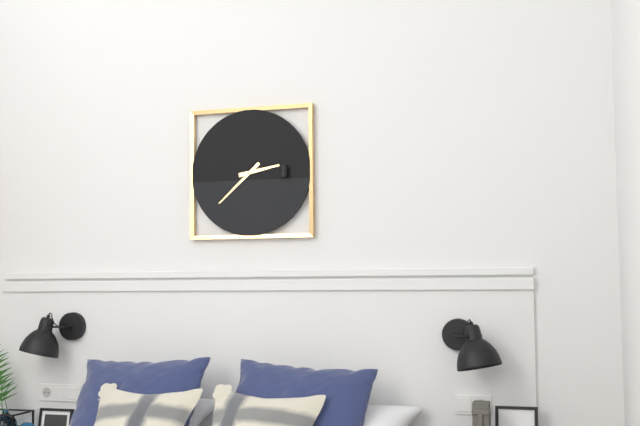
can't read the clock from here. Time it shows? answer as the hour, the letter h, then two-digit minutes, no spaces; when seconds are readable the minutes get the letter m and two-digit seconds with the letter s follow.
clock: 2h38
